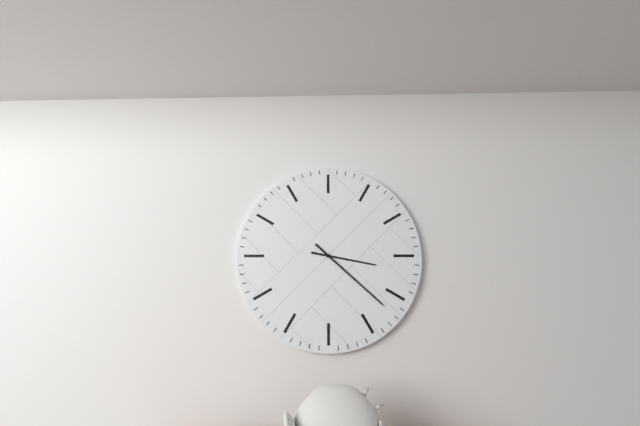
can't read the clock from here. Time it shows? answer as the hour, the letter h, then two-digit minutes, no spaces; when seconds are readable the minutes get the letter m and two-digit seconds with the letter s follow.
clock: 3h22
